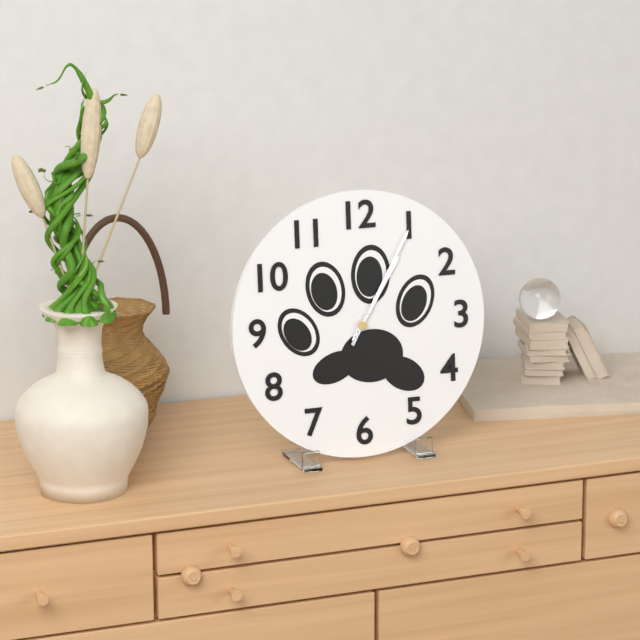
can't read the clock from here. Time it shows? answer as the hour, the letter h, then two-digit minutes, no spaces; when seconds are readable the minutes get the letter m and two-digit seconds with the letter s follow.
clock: 1h05
